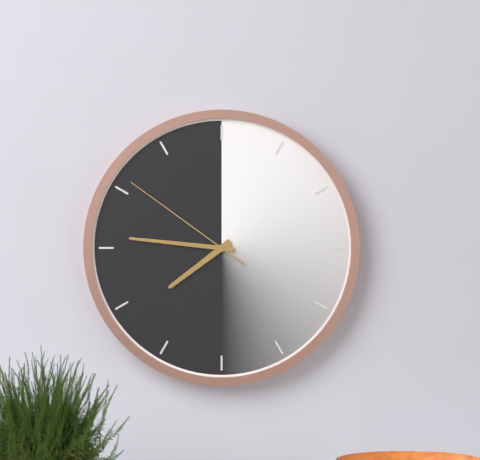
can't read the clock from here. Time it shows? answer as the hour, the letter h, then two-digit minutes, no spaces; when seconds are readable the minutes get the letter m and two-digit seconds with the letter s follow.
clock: 7h46m51s
